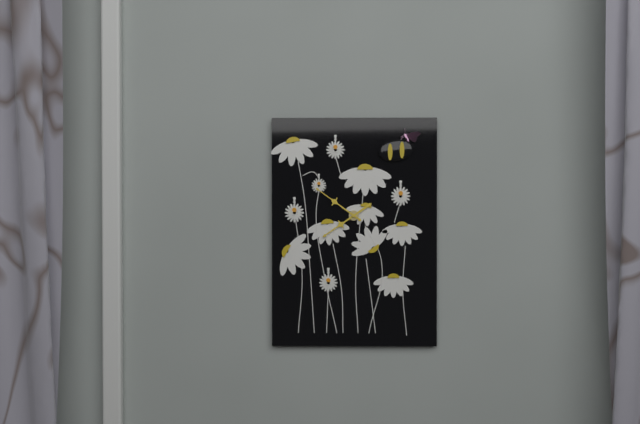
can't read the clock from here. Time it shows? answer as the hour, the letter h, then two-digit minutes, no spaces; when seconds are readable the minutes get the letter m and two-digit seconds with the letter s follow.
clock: 7h51
